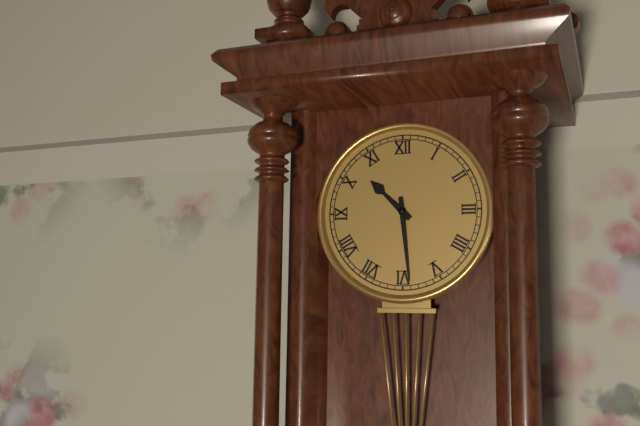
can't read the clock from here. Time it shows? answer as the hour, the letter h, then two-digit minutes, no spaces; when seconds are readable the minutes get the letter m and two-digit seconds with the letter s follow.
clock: 10h29
